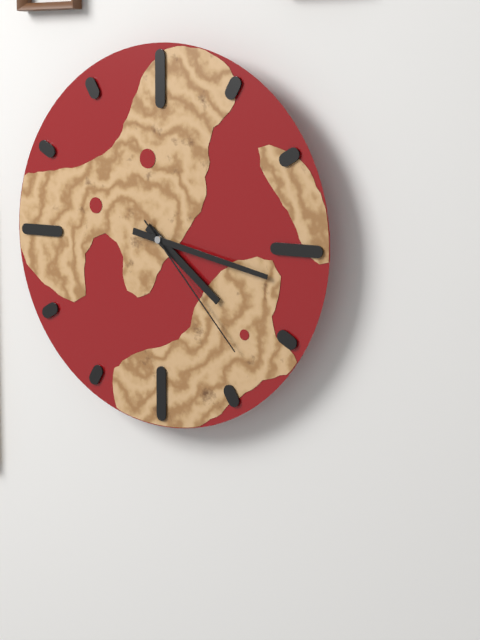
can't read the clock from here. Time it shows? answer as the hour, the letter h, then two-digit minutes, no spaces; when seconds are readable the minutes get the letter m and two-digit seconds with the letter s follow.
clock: 4h17m23s
